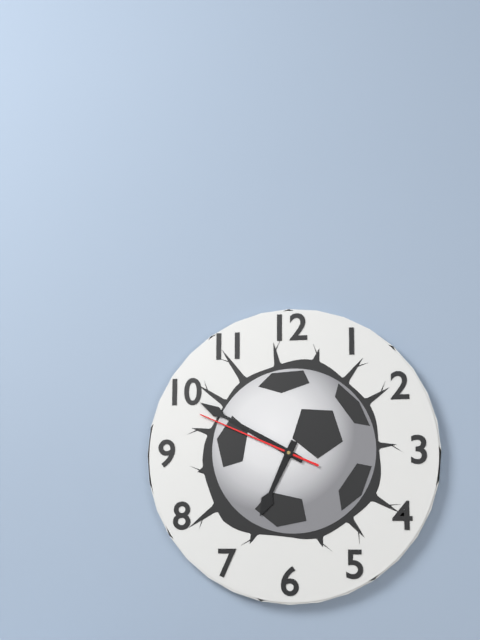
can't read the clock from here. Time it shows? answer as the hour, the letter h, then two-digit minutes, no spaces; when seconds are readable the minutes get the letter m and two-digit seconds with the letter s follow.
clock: 6h50m49s
